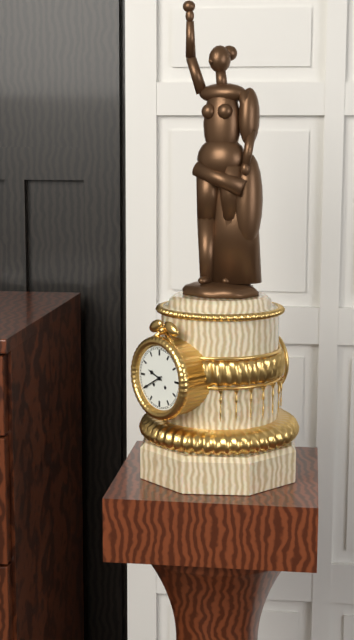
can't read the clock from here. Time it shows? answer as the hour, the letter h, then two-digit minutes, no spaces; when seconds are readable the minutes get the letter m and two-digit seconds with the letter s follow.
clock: 9h40
